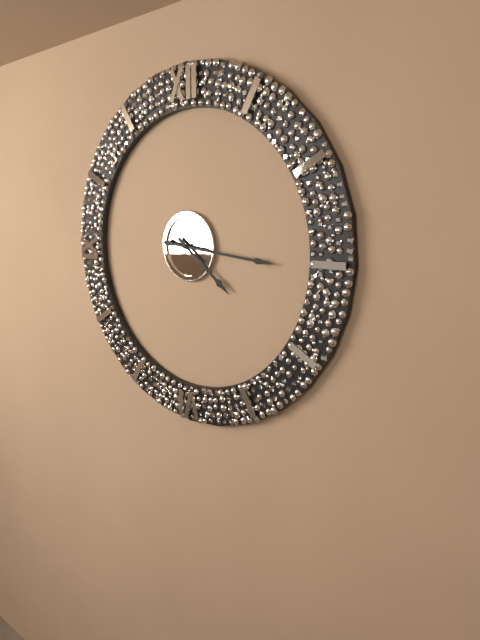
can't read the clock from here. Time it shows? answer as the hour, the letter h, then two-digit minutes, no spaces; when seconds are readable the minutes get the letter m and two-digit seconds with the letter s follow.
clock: 4h16
